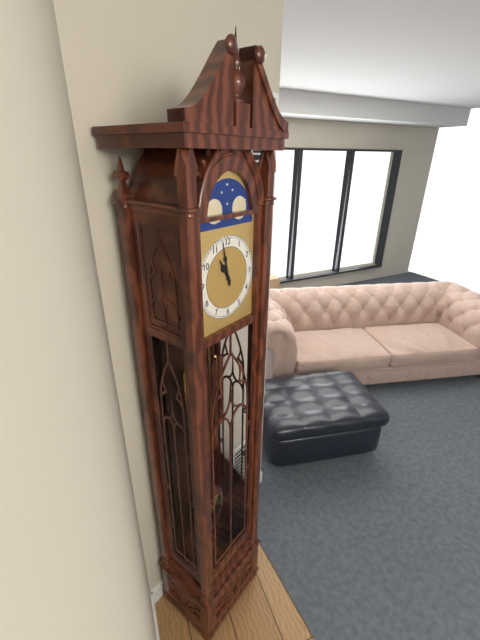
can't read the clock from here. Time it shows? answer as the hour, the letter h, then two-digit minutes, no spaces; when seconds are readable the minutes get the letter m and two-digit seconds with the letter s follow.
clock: 10h58
